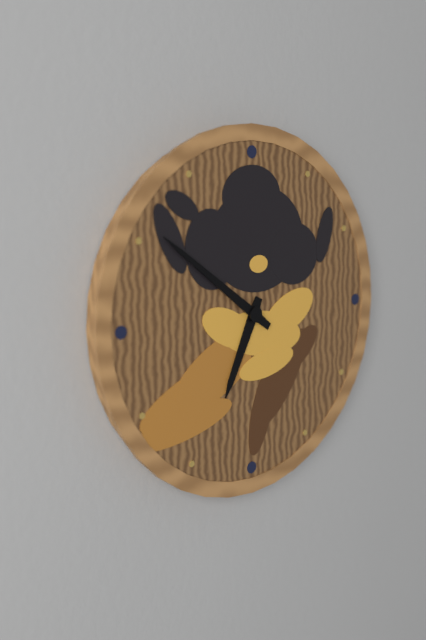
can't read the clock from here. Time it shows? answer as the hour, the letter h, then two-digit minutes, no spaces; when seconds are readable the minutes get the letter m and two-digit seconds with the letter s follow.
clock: 6h51
